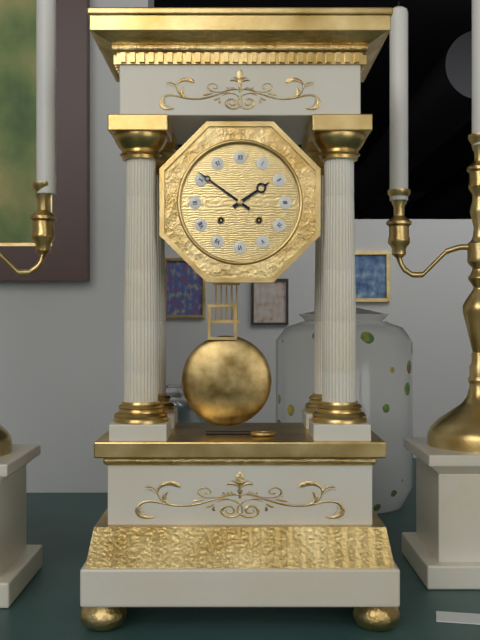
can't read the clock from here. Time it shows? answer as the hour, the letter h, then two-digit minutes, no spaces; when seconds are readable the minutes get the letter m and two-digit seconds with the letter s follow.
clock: 1h51
